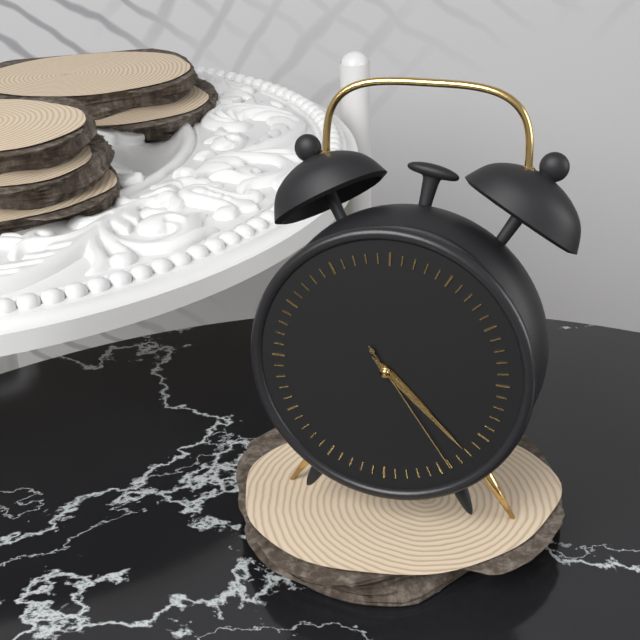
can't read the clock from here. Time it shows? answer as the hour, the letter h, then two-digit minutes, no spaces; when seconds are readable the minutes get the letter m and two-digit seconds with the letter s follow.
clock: 4h22m24s
